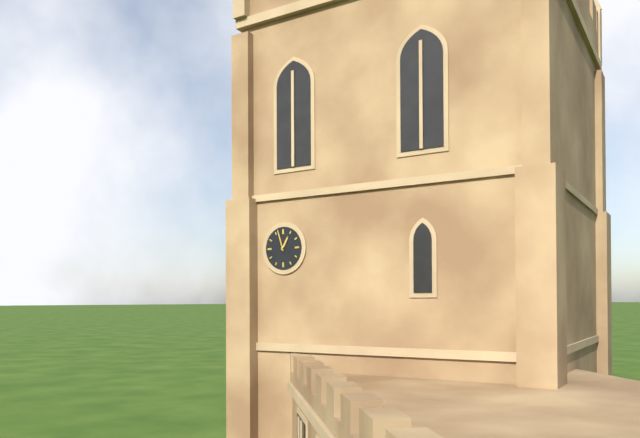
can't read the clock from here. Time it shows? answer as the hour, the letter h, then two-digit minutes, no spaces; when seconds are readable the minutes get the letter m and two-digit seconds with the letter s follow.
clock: 12h57
